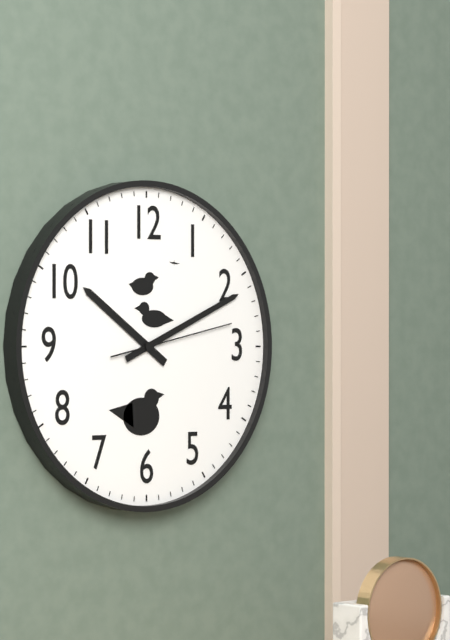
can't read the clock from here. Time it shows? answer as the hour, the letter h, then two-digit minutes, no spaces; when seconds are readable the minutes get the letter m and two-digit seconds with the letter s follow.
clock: 10h11m13s
